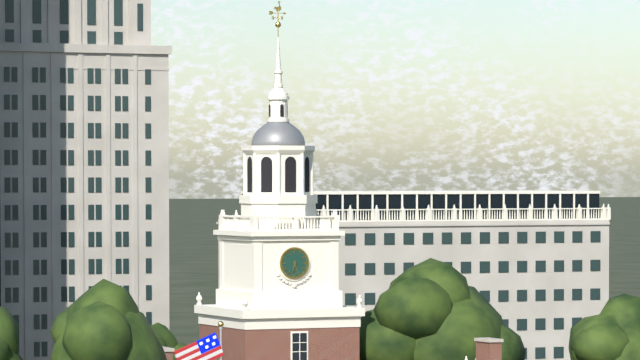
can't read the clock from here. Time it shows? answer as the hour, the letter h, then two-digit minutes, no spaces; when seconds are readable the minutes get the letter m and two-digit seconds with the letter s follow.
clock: 6h27
